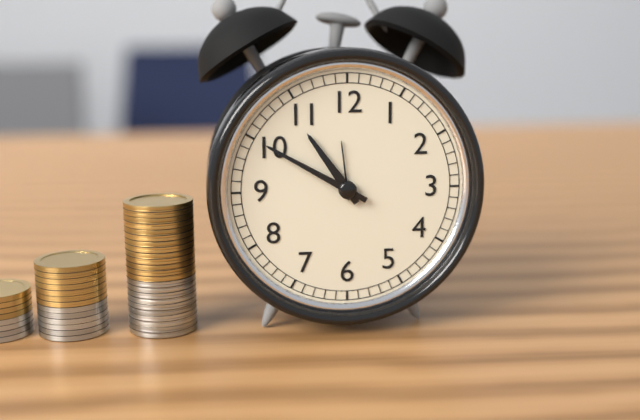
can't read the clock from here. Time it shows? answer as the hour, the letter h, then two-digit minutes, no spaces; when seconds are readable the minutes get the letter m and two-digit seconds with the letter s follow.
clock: 10h50
